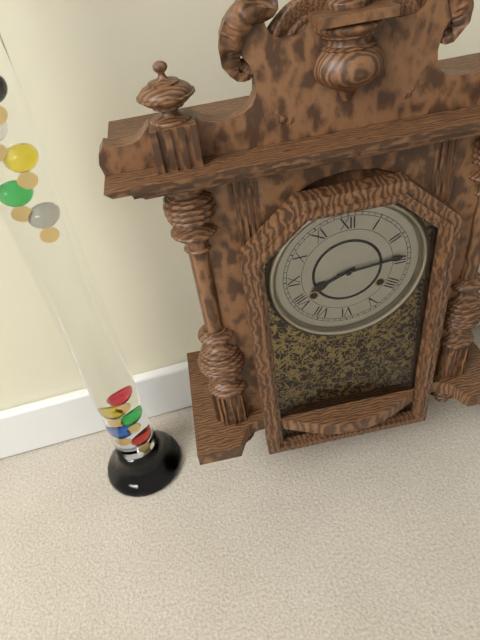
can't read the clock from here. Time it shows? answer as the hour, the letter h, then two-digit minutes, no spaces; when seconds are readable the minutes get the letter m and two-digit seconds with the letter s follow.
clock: 8h14
